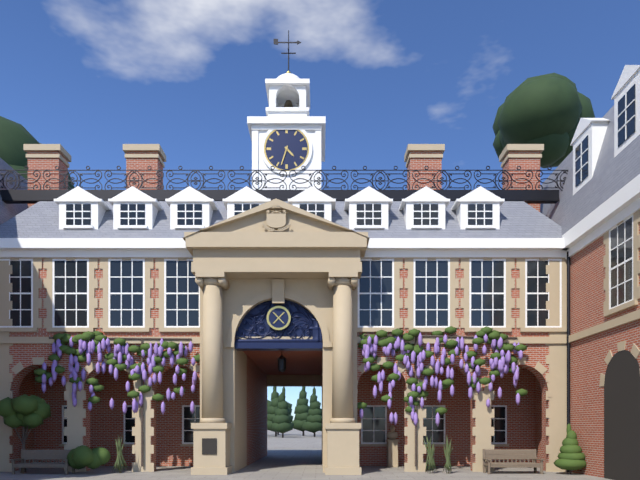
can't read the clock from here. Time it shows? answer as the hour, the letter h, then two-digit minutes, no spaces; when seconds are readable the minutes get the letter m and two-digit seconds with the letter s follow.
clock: 4h33
